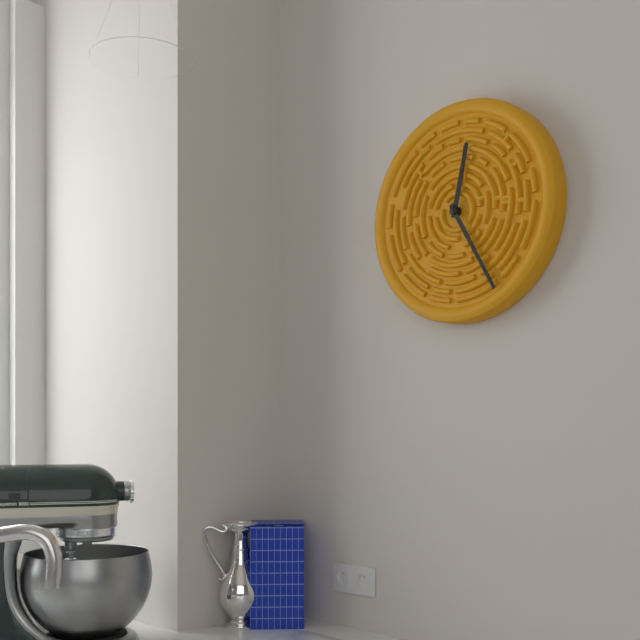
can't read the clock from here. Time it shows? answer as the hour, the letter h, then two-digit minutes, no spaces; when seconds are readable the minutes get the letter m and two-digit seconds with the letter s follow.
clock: 12h25
